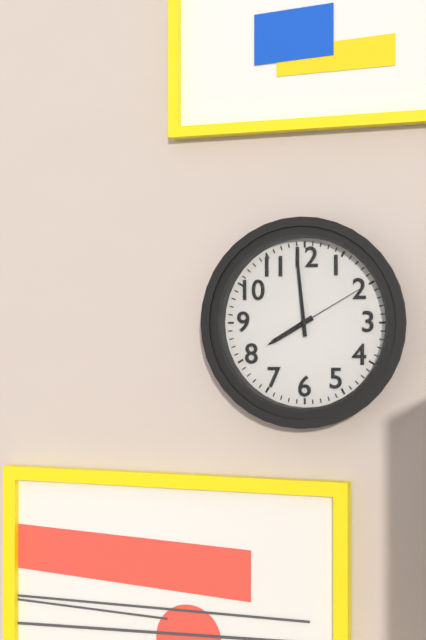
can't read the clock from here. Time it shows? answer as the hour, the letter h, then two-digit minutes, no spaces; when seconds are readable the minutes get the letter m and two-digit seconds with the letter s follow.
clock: 7h59m10s
